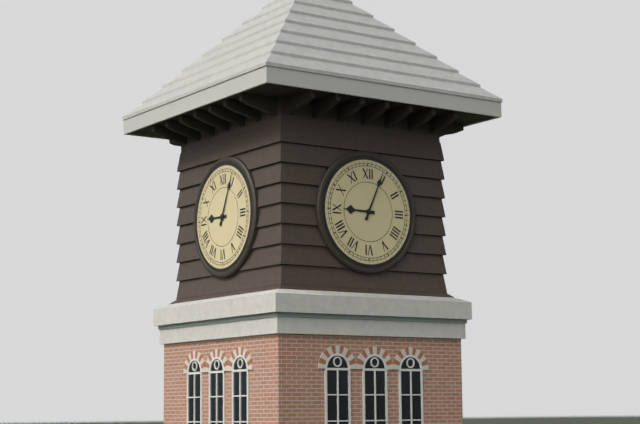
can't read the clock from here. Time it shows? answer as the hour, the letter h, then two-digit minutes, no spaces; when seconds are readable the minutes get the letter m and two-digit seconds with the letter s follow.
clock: 9h04
